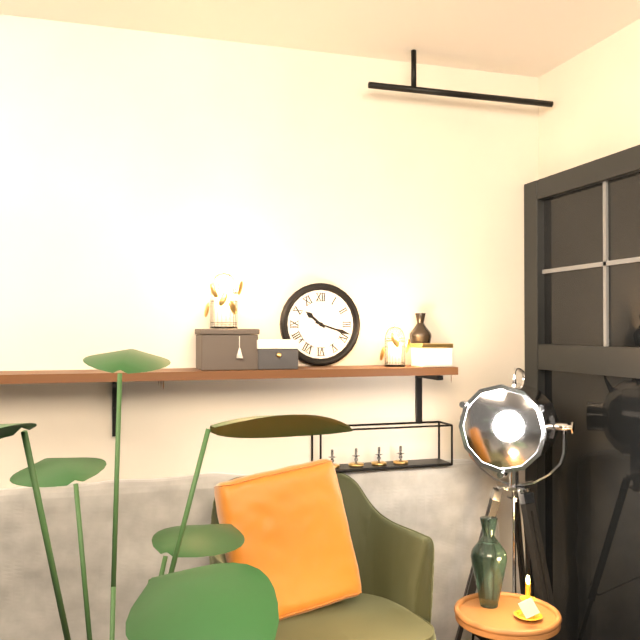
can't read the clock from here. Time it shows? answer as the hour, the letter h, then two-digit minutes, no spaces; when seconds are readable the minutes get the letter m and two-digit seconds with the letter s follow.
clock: 10h18
